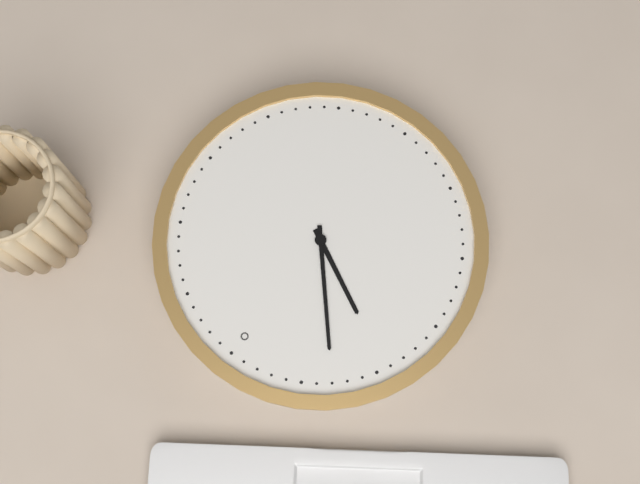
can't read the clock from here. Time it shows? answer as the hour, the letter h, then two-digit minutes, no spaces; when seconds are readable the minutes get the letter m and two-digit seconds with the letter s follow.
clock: 9h53
